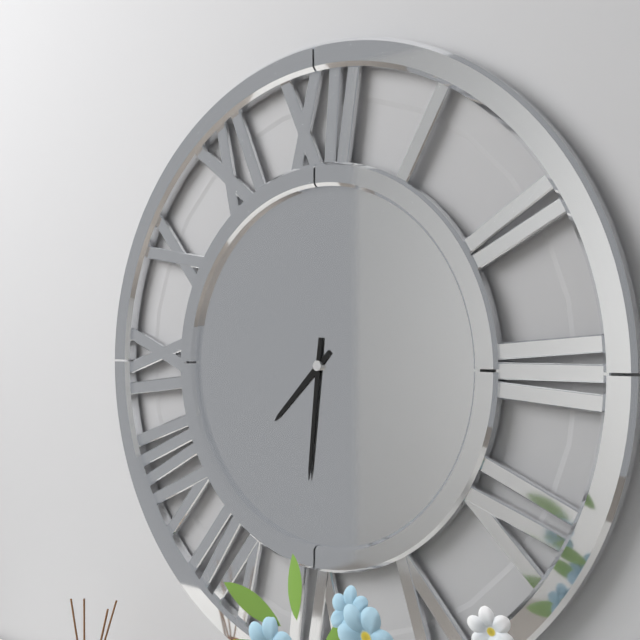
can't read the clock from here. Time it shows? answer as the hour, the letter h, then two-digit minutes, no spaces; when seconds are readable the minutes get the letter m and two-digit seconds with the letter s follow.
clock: 7h31
